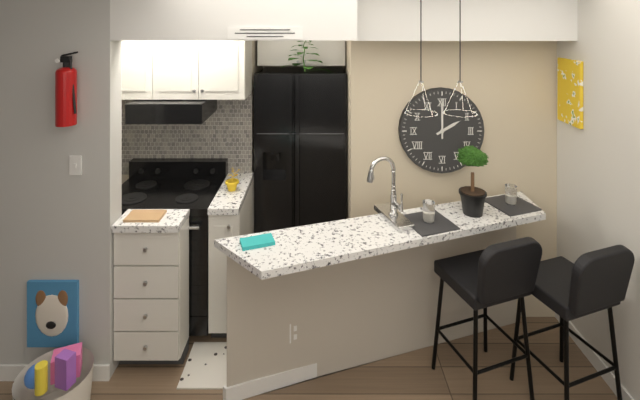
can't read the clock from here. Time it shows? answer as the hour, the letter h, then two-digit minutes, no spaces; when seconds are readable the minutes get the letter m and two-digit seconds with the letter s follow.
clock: 2h00
